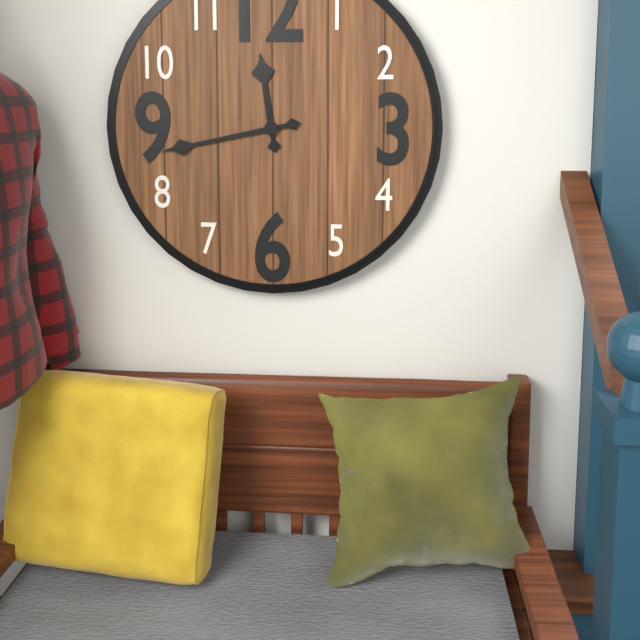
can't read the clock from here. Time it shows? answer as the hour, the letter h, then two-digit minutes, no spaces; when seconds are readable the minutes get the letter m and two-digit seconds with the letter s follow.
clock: 11h43
